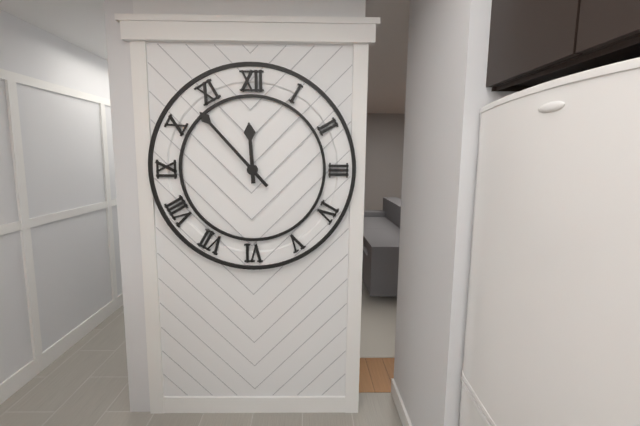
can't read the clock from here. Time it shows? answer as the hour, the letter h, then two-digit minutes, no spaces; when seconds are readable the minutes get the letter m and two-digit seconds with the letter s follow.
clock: 11h53
